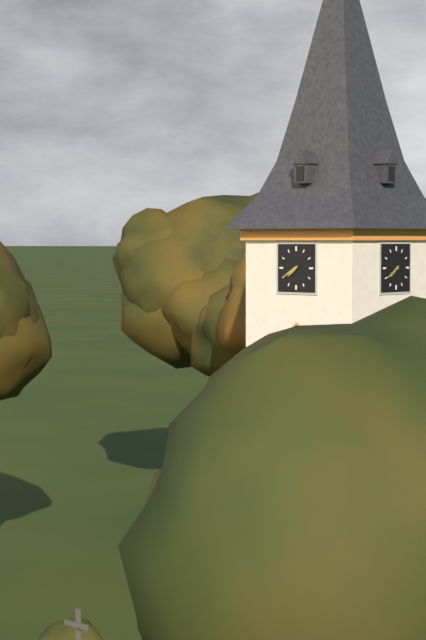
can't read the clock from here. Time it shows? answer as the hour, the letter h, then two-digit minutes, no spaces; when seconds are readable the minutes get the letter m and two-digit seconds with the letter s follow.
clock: 7h40
